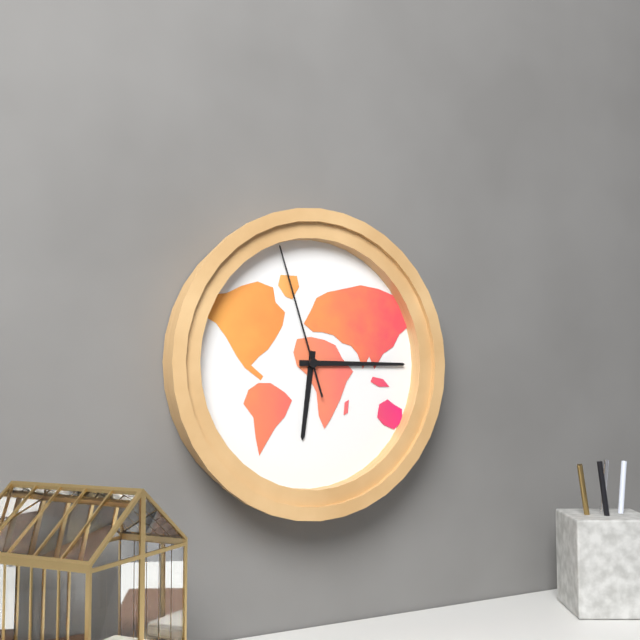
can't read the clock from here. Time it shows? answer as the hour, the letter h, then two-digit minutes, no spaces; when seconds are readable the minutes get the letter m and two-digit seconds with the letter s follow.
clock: 6h15m57s
